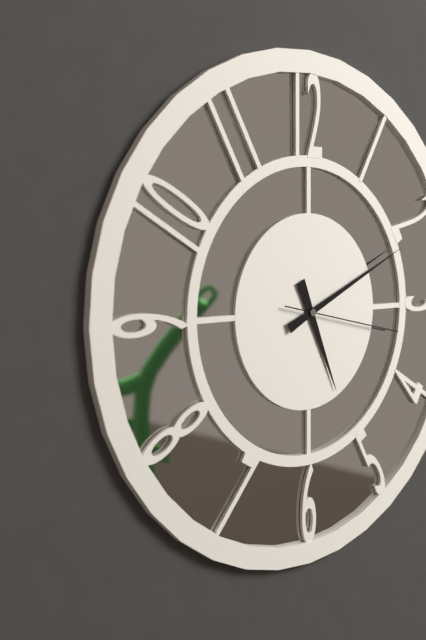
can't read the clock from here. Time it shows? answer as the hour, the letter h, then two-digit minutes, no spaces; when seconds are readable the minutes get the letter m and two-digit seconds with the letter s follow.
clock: 5h11m17s
